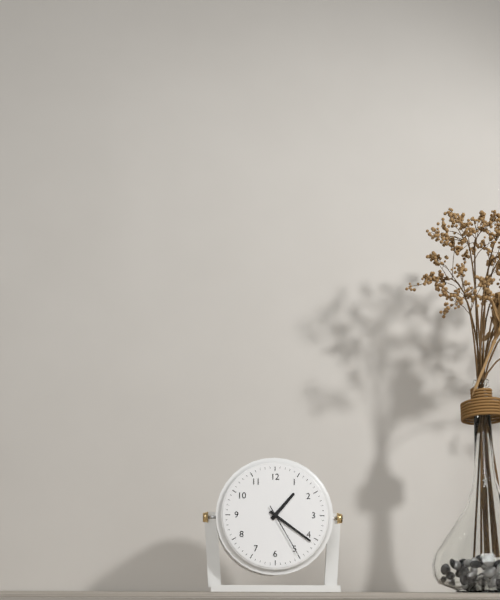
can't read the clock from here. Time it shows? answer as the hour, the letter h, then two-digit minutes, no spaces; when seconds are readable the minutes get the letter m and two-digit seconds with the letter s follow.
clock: 1h21m25s
